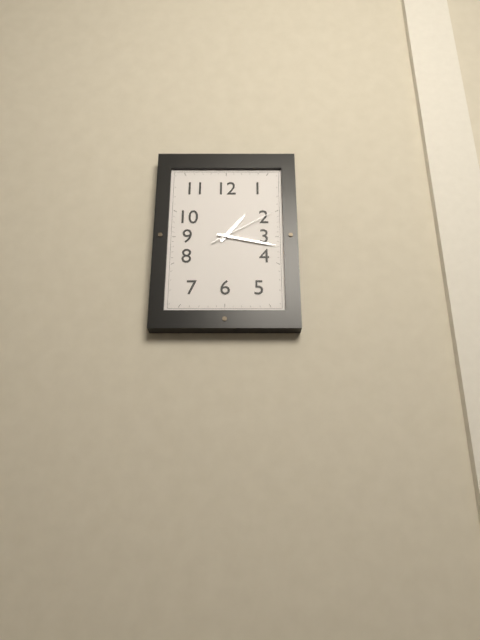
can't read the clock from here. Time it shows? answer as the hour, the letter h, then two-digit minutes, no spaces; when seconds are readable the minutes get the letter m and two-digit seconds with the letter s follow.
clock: 1h17m10s
